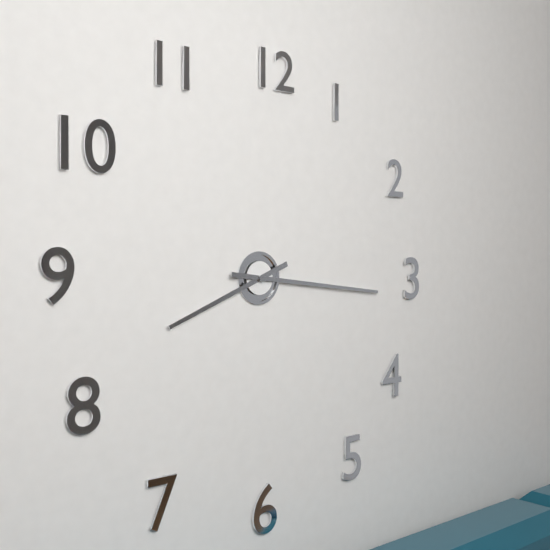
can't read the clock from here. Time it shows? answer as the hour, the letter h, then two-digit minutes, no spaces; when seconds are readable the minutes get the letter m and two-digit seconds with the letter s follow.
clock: 8h16
